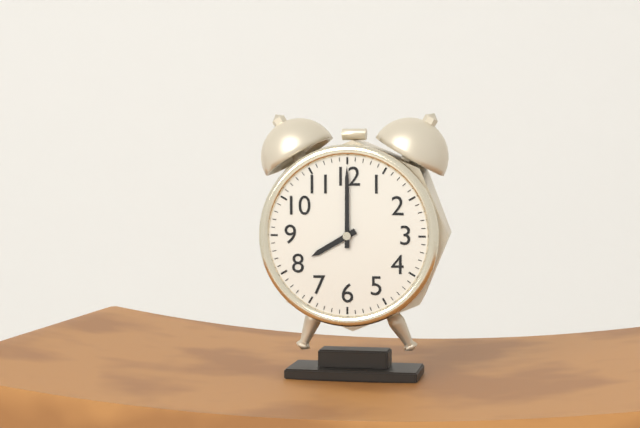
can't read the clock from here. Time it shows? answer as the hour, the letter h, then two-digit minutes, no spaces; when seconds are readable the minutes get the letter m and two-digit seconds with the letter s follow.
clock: 8h00
